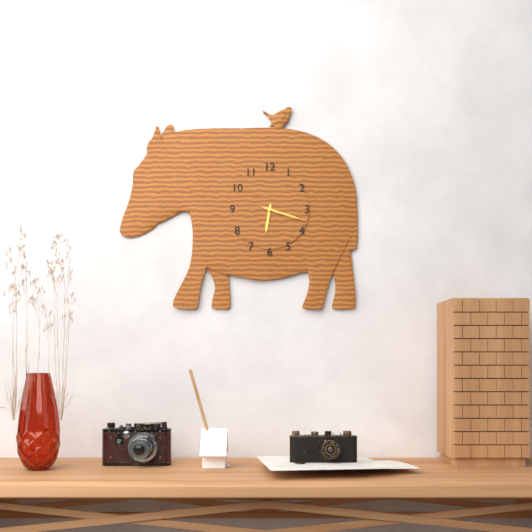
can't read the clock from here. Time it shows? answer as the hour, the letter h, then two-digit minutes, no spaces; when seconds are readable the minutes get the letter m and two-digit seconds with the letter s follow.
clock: 6h18m18s
